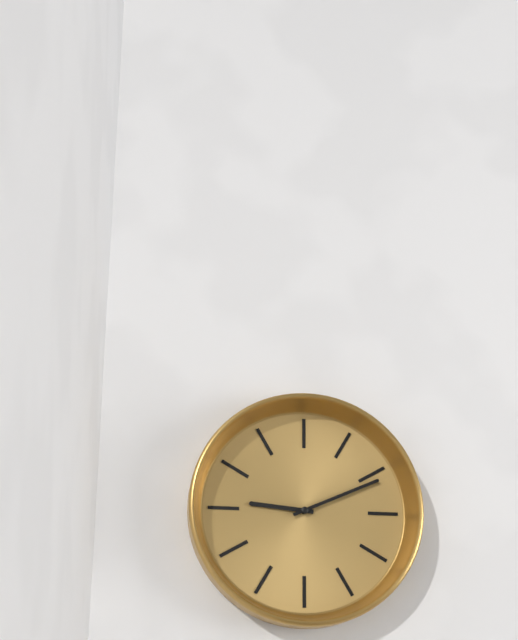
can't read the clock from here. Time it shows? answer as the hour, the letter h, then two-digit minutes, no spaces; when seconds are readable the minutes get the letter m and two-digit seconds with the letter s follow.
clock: 9h11
